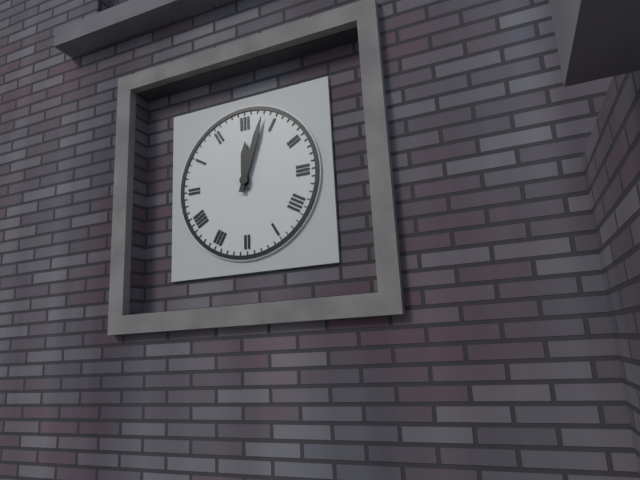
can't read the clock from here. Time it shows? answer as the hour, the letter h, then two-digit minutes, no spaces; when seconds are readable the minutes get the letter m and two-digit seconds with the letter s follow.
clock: 12h03
